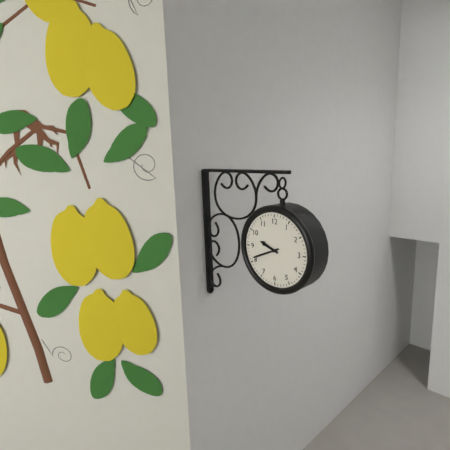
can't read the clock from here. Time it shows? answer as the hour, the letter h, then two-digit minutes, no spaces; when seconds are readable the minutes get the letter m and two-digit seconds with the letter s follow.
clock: 9h41
